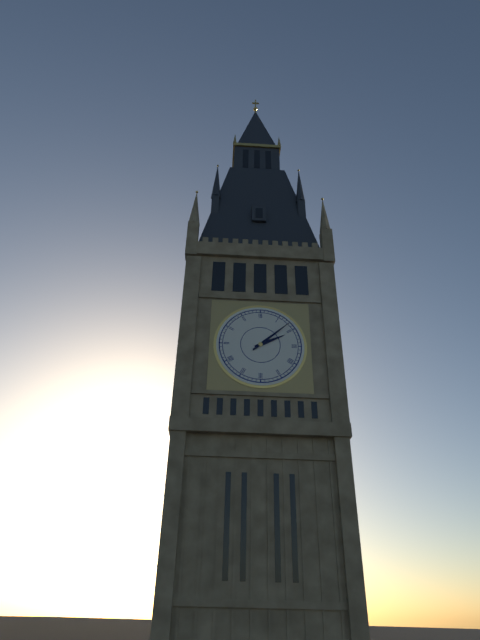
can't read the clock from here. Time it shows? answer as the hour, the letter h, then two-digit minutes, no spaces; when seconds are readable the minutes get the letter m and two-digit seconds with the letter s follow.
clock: 2h08
